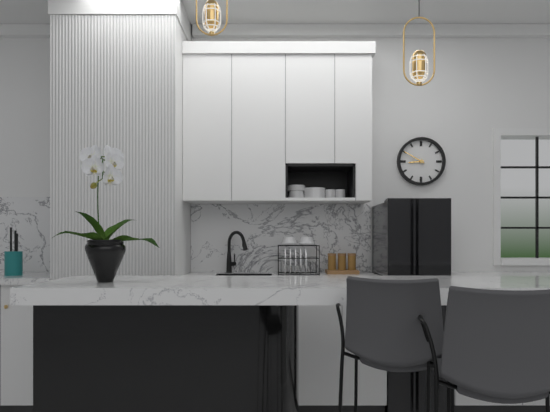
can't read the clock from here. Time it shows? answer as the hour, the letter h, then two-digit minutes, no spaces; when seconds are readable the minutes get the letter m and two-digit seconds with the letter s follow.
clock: 8h50
